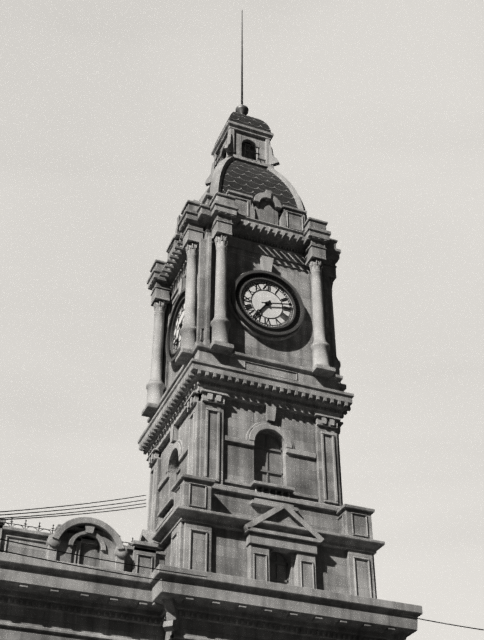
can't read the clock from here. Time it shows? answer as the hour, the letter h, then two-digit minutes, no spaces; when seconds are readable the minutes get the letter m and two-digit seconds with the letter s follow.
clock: 7h13
